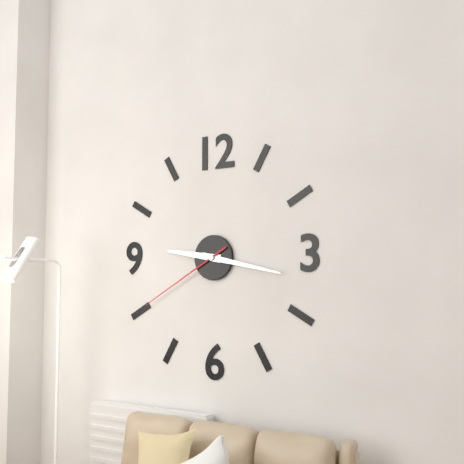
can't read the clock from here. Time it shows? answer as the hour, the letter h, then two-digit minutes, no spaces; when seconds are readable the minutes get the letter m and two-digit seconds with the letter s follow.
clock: 9h17m40s
